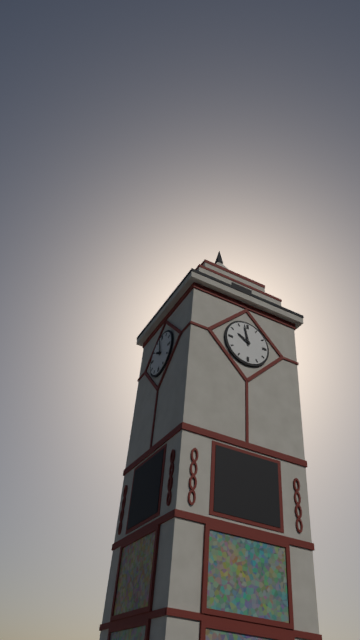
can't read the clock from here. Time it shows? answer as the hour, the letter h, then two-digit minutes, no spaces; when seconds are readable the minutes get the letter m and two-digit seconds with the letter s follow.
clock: 9h58
